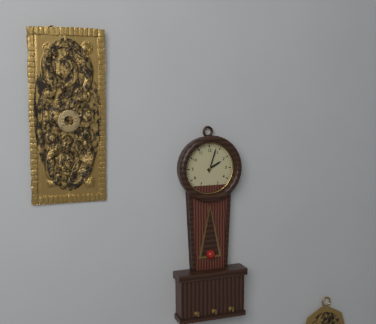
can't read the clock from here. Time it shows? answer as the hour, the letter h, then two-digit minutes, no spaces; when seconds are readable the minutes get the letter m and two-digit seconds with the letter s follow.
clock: 2h03
